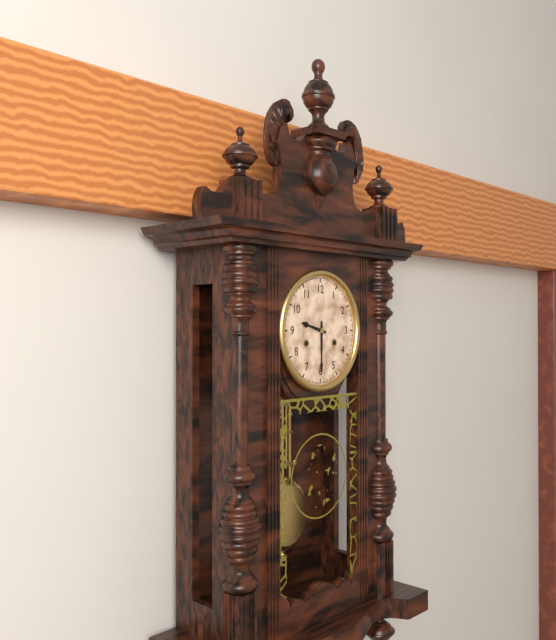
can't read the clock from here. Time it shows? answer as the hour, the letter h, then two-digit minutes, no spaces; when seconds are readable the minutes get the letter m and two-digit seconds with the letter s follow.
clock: 9h30
